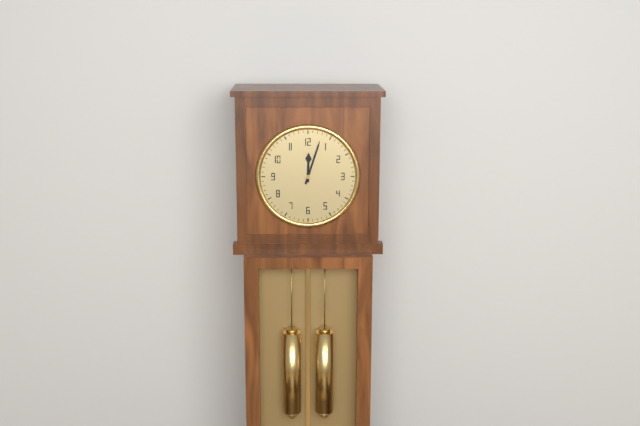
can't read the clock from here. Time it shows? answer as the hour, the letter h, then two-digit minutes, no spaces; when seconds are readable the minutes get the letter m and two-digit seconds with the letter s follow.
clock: 12h03
